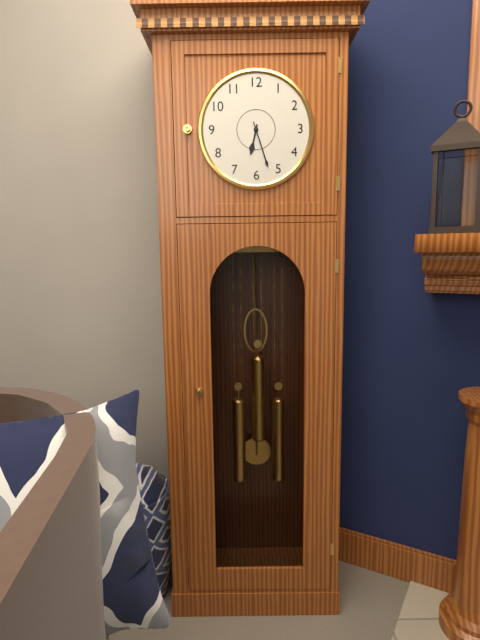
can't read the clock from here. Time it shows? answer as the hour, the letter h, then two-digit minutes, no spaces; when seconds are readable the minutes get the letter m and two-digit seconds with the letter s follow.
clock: 6h27
